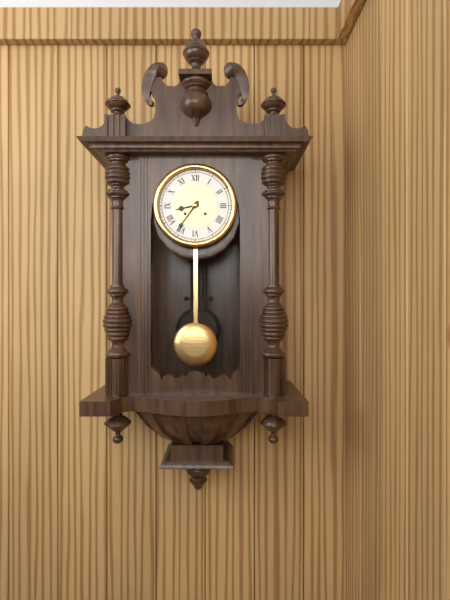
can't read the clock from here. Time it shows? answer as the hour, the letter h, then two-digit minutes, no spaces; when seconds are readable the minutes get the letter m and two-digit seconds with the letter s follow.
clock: 8h36
